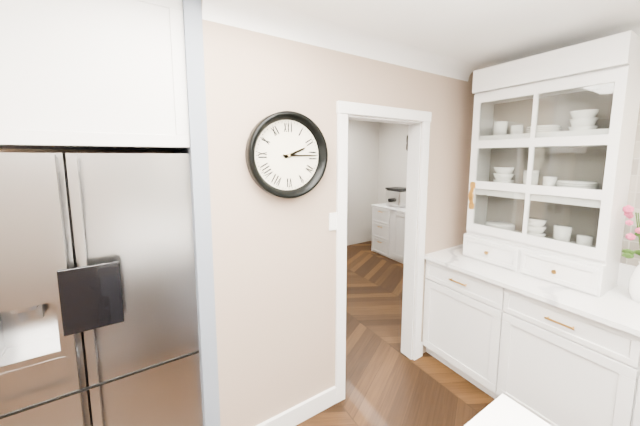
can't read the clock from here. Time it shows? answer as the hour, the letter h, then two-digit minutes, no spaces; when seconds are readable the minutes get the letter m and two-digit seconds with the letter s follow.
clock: 2h15
